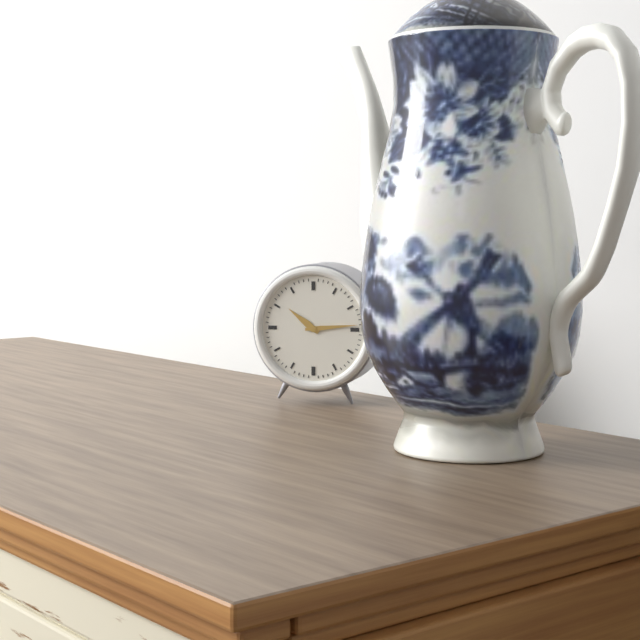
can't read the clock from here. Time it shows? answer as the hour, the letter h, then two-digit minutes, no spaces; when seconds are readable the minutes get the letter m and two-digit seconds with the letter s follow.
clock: 10h14
